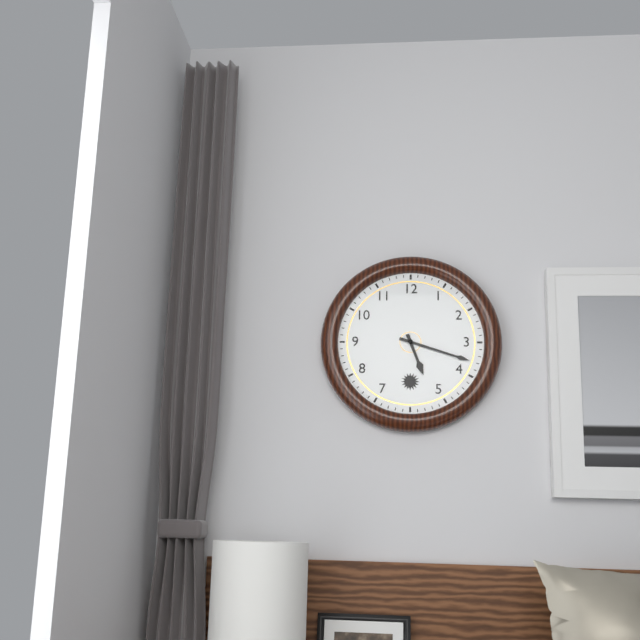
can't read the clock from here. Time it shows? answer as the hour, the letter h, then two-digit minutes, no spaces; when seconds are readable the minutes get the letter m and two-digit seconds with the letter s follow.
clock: 5h18
